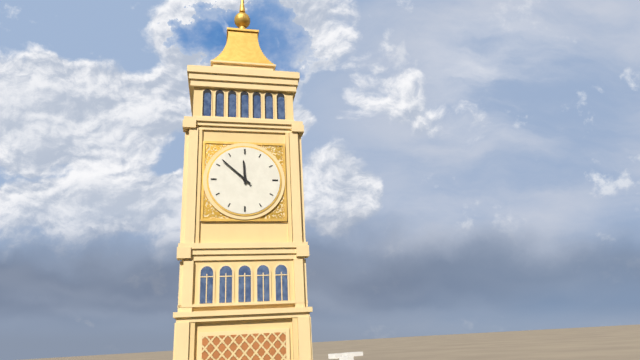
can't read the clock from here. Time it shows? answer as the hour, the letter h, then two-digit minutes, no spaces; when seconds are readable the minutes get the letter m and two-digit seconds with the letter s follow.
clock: 11h52
